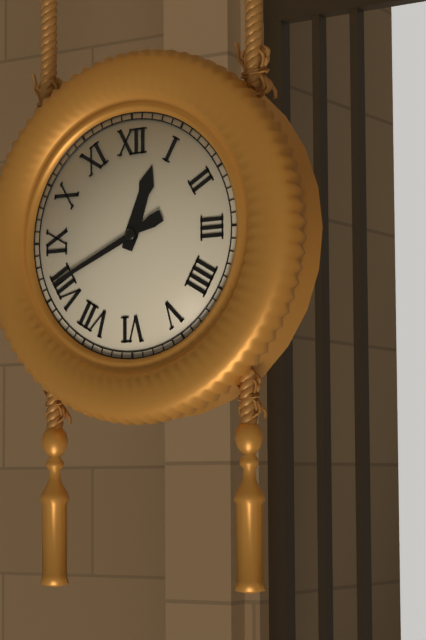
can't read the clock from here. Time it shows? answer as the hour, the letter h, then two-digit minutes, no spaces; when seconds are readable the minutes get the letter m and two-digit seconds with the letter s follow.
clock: 12h41
